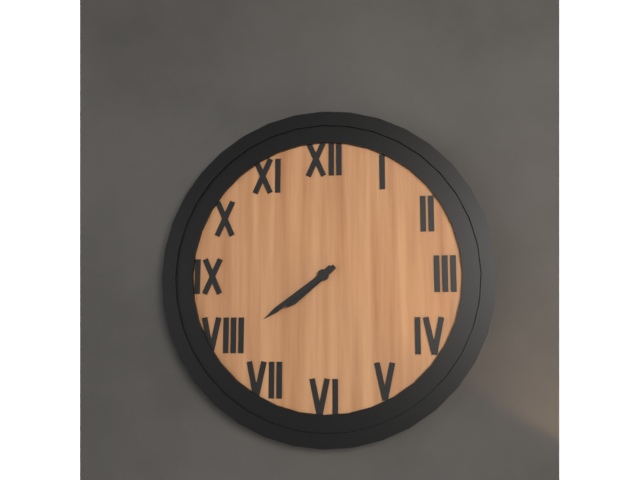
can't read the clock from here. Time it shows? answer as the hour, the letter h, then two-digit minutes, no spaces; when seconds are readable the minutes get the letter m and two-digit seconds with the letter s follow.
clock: 7h39
